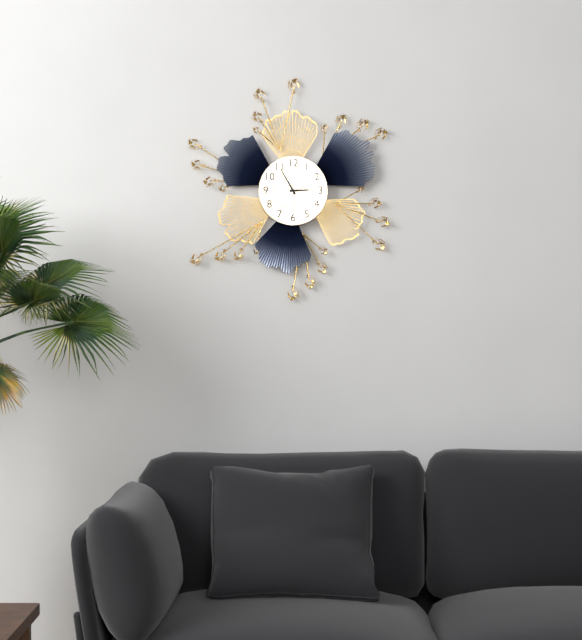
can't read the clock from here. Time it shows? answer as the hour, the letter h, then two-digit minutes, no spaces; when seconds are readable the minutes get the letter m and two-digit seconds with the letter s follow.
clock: 2h55
